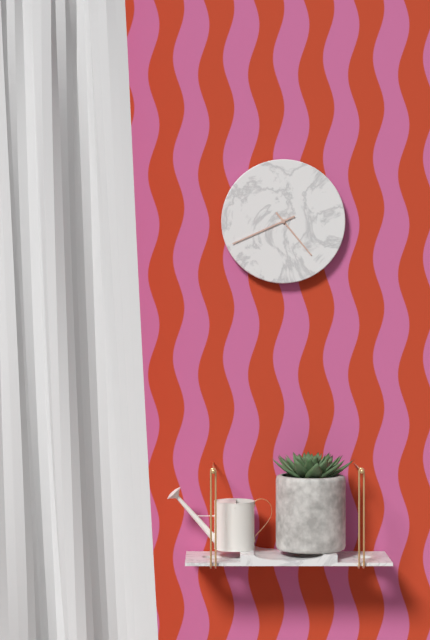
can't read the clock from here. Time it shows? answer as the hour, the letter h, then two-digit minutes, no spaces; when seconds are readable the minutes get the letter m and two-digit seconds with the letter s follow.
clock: 4h41
